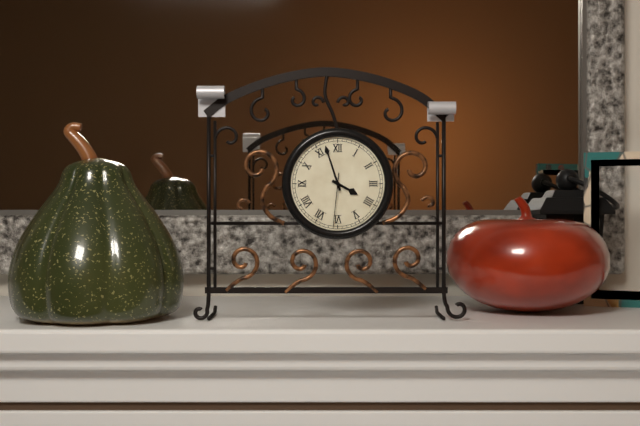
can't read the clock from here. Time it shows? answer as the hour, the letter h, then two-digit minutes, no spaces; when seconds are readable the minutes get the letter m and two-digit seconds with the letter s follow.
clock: 3h57m31s
